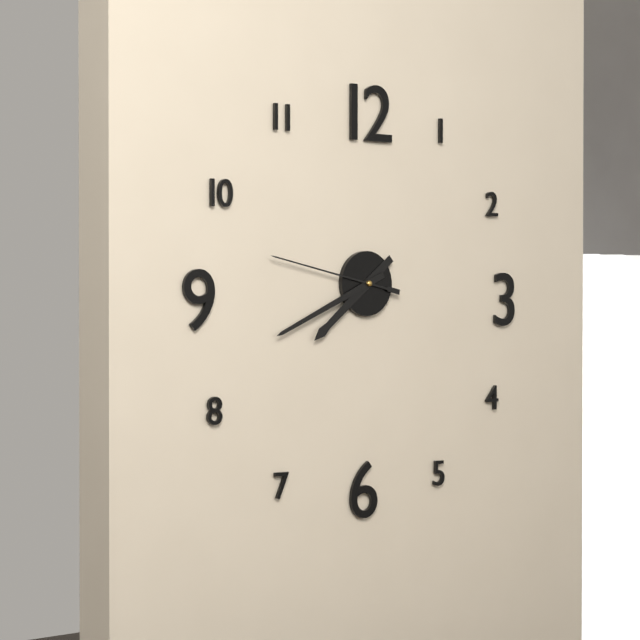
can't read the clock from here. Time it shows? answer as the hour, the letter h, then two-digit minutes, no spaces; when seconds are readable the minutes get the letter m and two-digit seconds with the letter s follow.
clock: 7h41m47s
